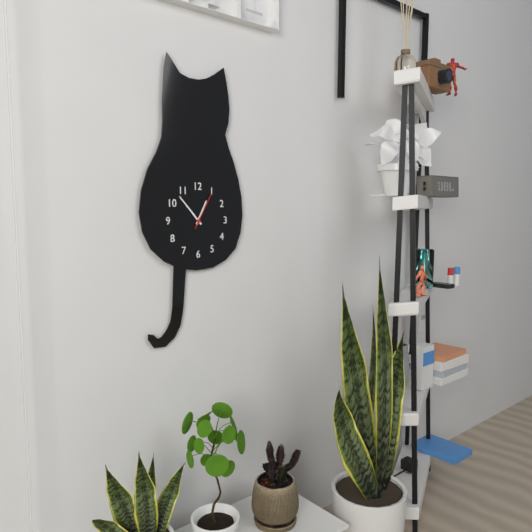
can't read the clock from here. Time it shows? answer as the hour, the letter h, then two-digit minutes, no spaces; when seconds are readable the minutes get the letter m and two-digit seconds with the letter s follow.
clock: 12h53
